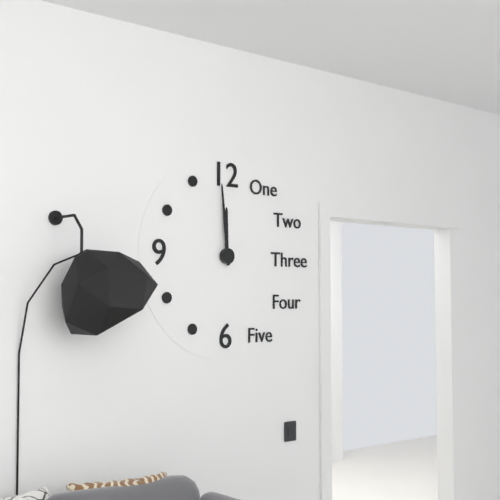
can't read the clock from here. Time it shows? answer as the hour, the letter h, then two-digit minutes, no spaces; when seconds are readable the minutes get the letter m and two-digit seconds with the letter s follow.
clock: 11h59
